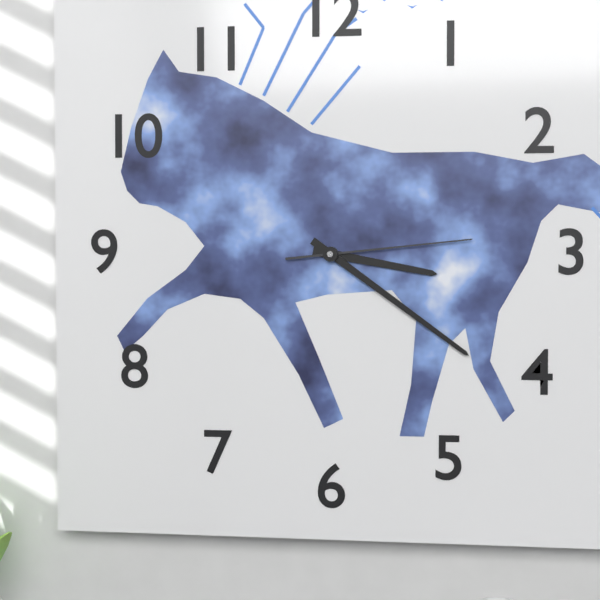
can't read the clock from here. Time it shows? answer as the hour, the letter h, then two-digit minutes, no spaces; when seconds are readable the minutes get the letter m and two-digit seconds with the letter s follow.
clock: 3h21m14s
